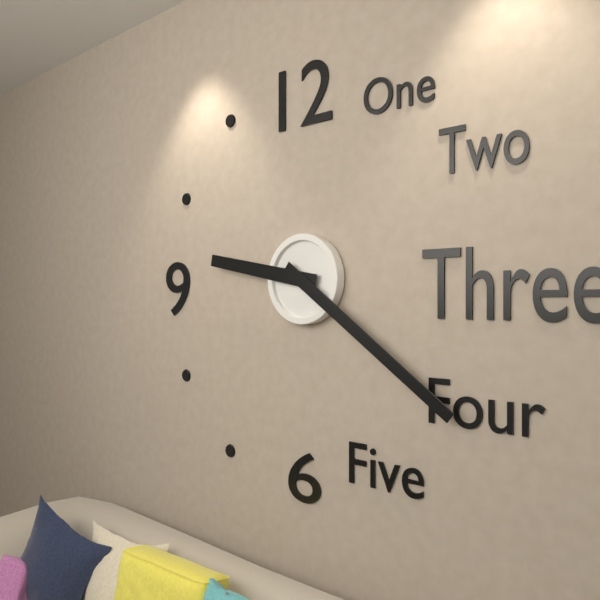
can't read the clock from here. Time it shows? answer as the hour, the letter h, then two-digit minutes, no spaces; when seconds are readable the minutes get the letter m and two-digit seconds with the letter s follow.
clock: 9h21
